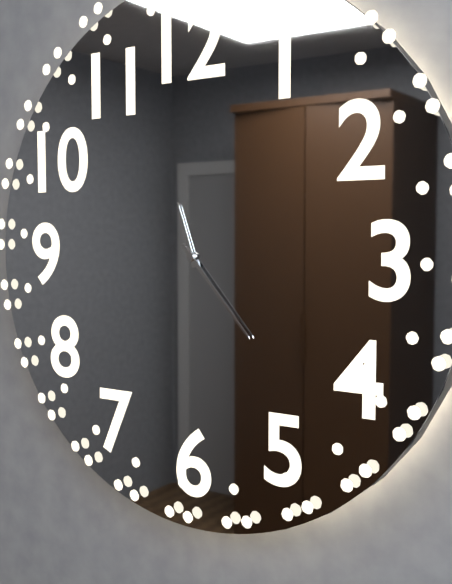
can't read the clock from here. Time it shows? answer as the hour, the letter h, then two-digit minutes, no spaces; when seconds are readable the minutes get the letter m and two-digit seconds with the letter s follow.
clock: 11h23
